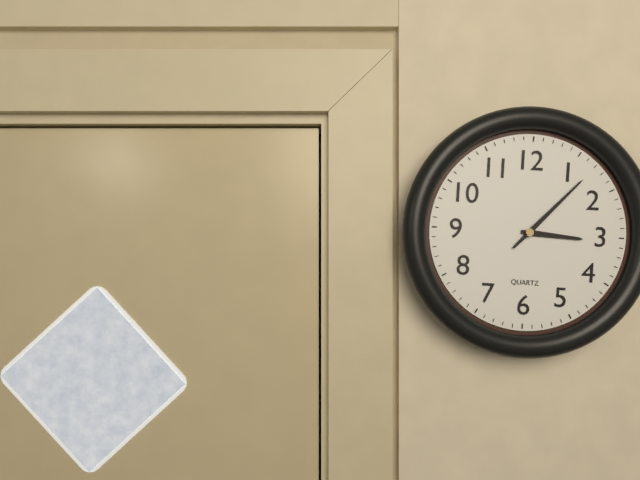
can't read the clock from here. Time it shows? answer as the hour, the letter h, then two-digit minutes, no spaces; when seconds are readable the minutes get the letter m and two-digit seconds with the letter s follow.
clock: 3h07
